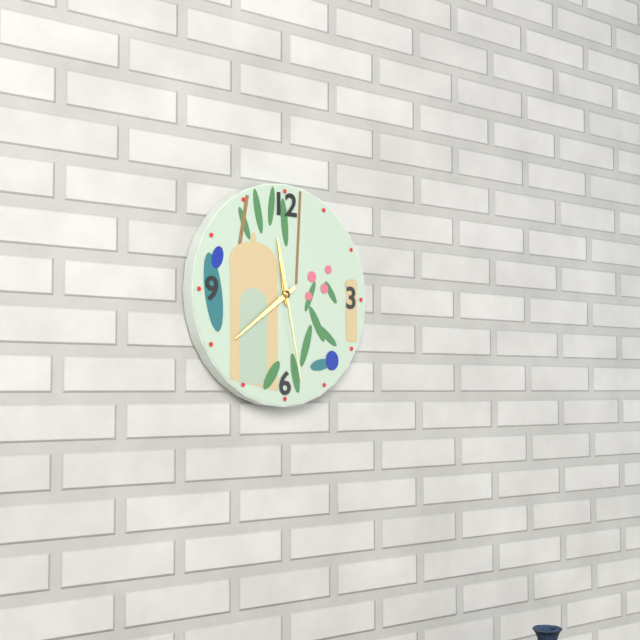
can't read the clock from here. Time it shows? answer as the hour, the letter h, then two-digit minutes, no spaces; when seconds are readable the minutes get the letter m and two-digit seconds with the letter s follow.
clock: 11h39m28s
